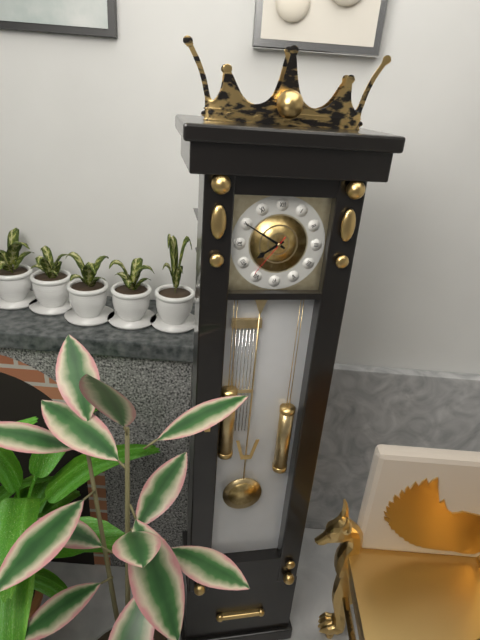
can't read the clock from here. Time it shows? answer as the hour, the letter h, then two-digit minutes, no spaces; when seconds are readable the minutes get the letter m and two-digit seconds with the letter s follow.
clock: 7h50
